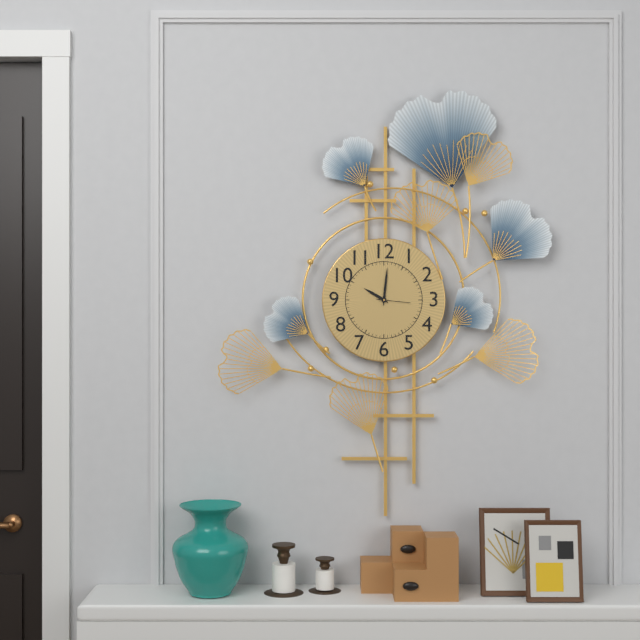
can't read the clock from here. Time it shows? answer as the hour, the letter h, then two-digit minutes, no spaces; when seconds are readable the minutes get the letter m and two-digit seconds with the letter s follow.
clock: 10h01
